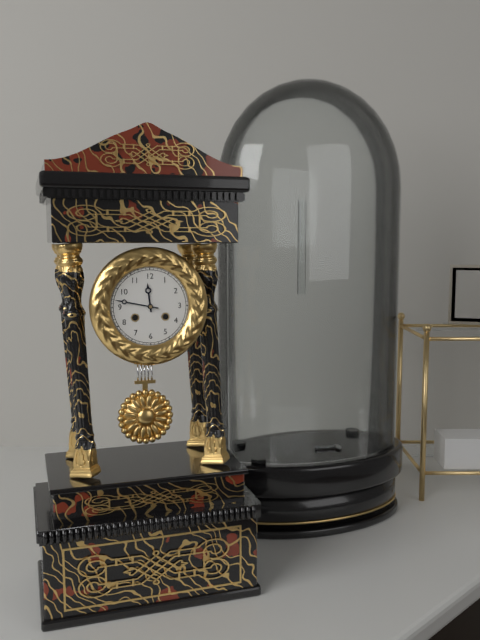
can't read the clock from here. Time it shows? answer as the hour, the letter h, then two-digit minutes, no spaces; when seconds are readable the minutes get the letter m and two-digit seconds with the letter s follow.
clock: 11h47
